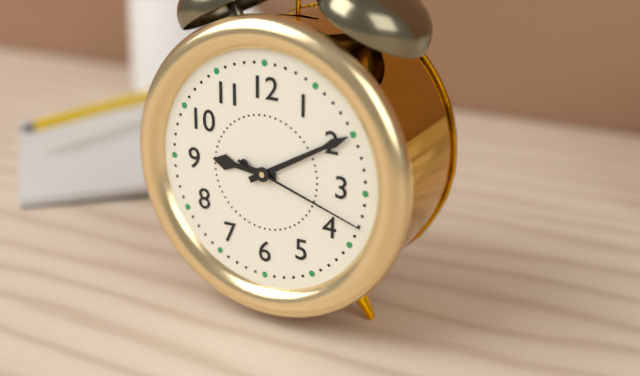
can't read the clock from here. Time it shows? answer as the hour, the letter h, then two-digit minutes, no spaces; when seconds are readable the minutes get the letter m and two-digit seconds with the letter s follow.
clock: 9h10m18s
